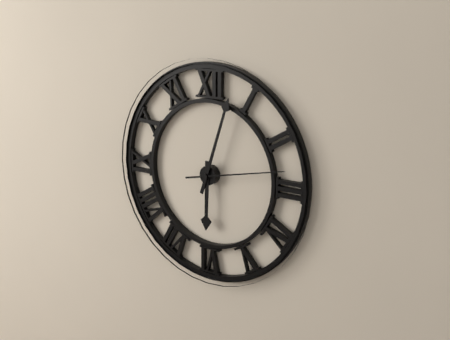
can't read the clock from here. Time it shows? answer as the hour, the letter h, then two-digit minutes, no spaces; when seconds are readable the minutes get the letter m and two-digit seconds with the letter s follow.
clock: 6h03m13s
